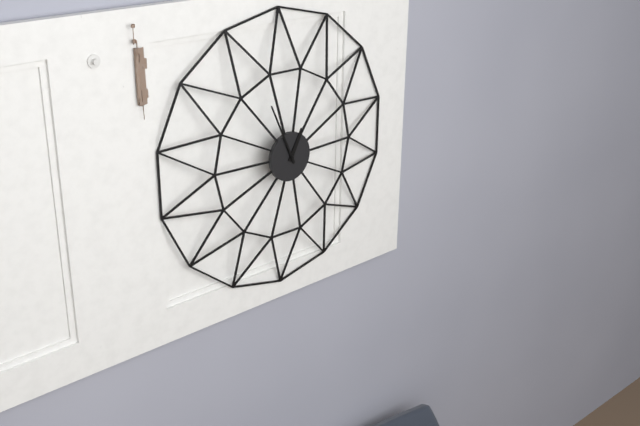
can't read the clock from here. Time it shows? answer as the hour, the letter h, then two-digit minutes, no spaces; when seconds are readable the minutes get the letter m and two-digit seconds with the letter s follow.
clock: 12h56
